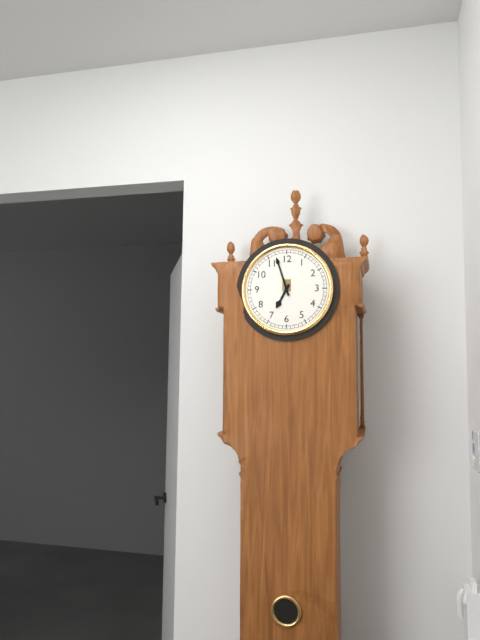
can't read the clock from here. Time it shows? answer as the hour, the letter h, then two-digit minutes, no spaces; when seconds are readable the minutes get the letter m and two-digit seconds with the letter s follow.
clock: 6h57
